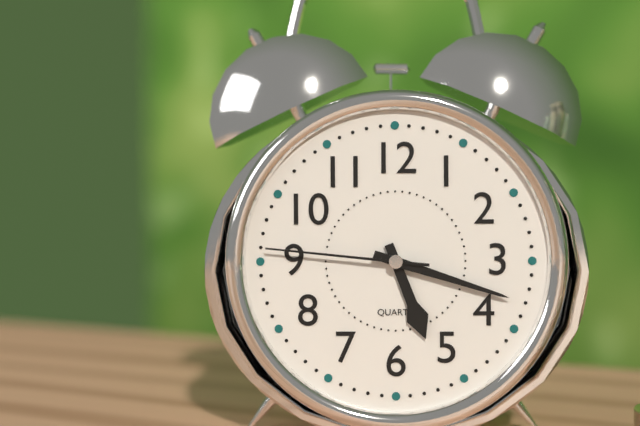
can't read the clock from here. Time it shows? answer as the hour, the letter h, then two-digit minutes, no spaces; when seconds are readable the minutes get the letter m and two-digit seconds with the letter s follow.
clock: 5h18m46s
